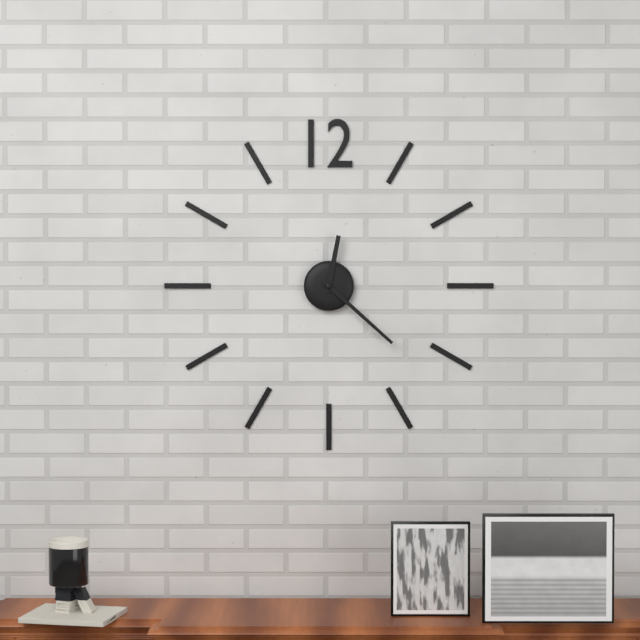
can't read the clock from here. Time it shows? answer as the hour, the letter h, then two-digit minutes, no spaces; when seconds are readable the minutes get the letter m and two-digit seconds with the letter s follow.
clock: 12h22
